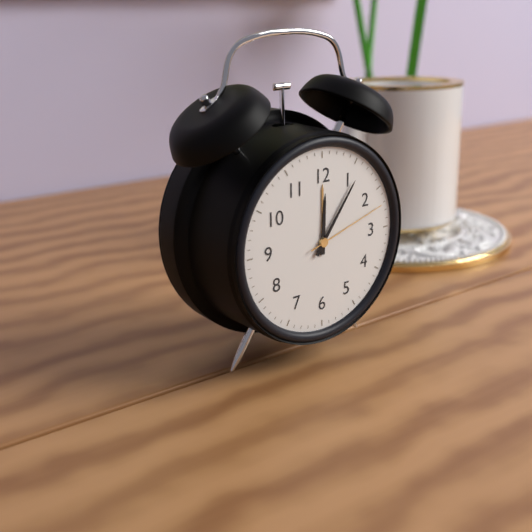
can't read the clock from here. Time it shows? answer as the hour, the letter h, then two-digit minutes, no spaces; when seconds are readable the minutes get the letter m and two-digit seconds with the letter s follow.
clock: 12h06m12s
